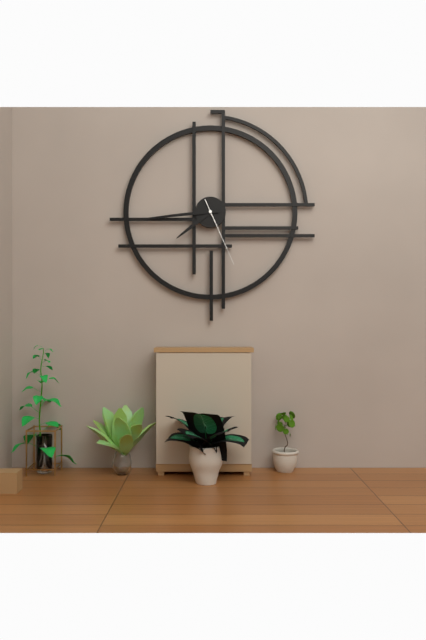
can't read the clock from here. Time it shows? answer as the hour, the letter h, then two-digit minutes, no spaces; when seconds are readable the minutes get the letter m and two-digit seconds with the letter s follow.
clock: 7h44m26s
